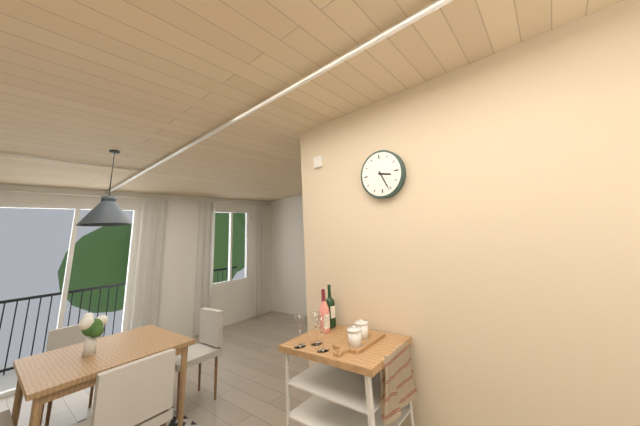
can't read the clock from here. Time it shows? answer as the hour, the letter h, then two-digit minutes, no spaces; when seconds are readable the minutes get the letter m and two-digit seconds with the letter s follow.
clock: 3h26
